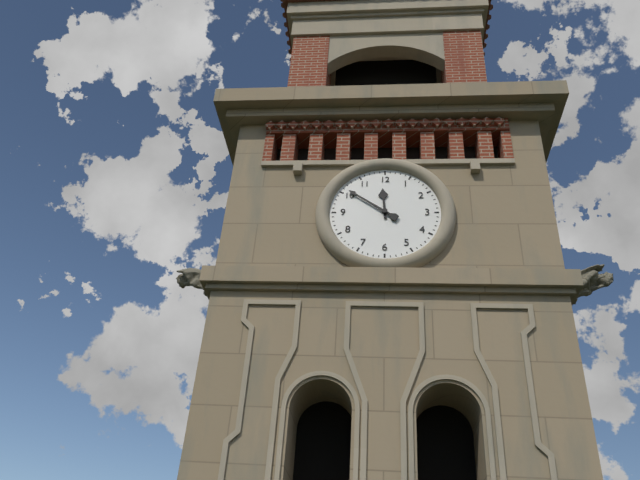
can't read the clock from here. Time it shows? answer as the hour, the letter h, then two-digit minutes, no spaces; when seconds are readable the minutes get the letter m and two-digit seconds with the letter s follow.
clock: 11h51
